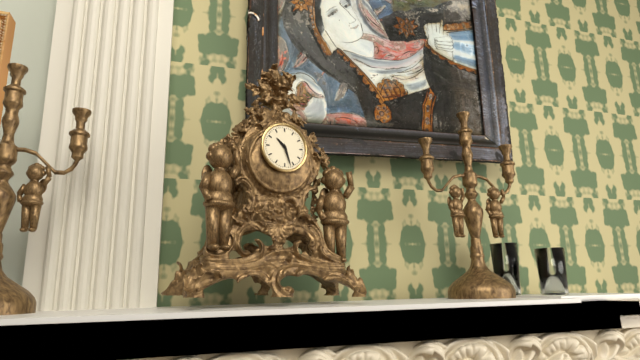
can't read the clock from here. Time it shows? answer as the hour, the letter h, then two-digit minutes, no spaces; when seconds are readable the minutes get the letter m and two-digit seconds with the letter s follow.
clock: 10h27
